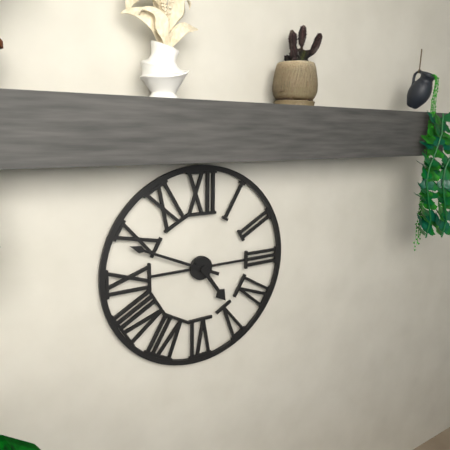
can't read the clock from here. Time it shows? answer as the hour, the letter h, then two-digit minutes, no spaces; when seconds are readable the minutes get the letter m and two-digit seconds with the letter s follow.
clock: 4h49
